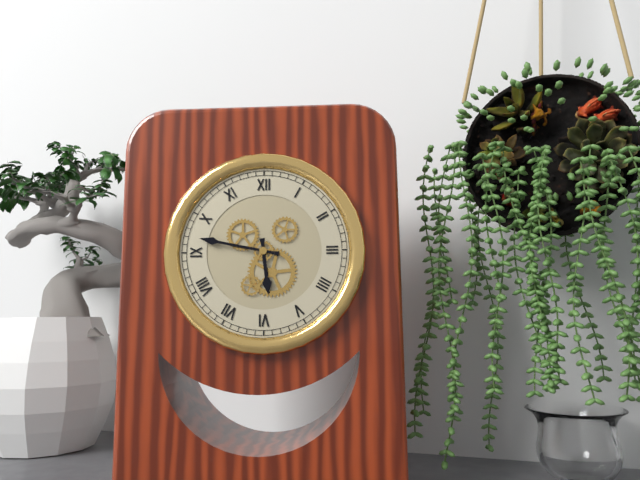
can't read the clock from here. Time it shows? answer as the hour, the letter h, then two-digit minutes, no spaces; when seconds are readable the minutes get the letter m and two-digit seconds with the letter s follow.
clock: 5h47
